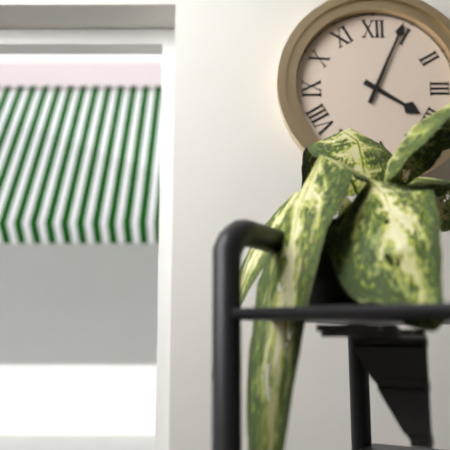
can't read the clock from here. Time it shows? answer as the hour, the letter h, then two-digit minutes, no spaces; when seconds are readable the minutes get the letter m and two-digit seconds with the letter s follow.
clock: 4h04
